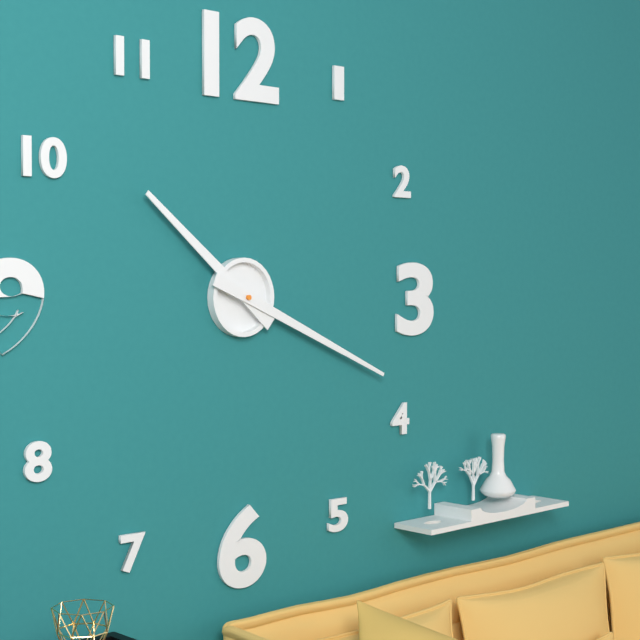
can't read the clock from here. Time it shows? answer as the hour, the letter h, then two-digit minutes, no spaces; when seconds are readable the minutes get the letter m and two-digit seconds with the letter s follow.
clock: 10h19
